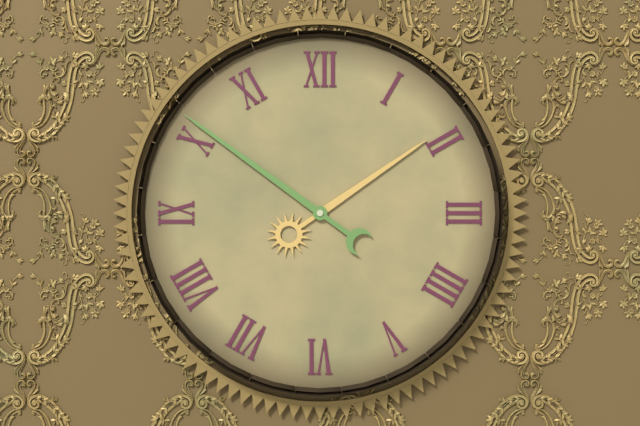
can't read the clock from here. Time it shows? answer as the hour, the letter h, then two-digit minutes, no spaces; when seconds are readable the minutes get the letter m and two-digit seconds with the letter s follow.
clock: 1h51
